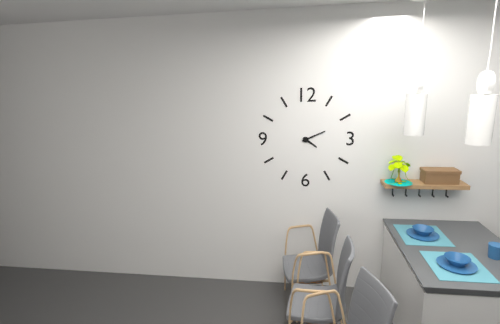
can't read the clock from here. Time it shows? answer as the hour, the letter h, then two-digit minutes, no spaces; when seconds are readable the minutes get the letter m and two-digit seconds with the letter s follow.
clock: 4h11
